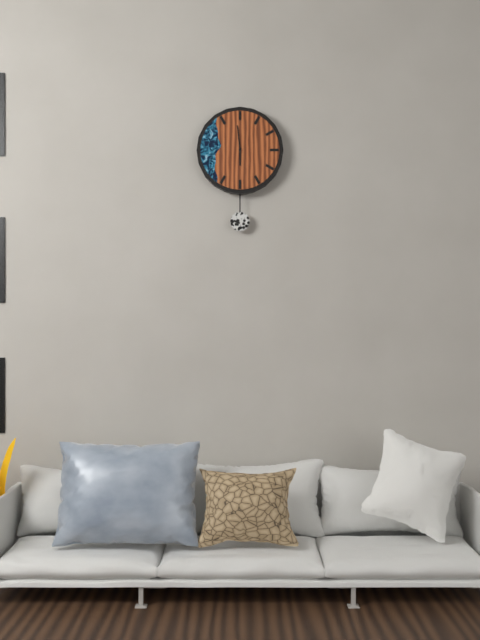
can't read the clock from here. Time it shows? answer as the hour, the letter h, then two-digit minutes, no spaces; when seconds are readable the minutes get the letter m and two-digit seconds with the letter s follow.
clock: 5h59
